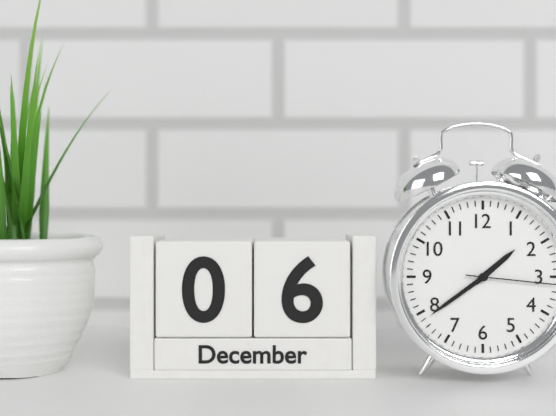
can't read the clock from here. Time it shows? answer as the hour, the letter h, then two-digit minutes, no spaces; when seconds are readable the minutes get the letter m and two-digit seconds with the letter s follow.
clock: 1h39
